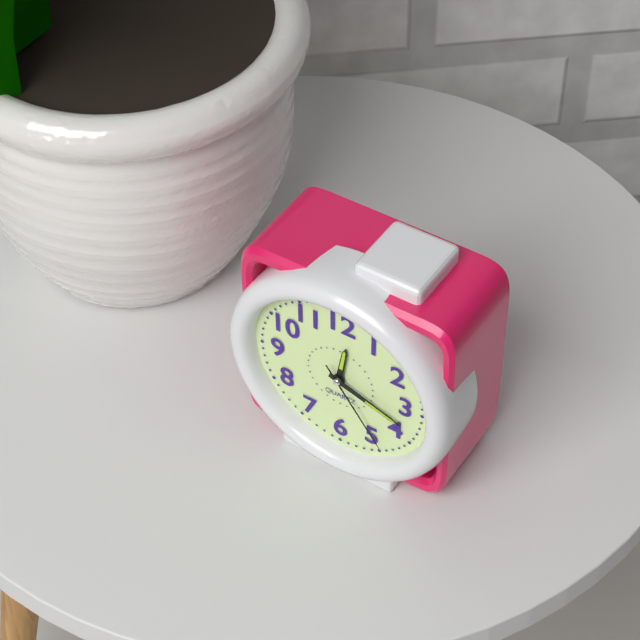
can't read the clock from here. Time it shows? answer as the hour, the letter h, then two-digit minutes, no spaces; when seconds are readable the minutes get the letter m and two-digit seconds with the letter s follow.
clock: 12h18m24s
